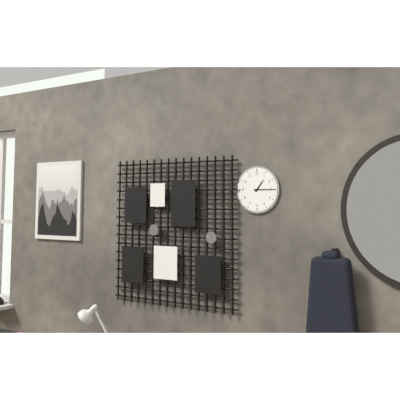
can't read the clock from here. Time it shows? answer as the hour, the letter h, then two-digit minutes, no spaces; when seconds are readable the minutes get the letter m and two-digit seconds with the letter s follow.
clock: 1h15
